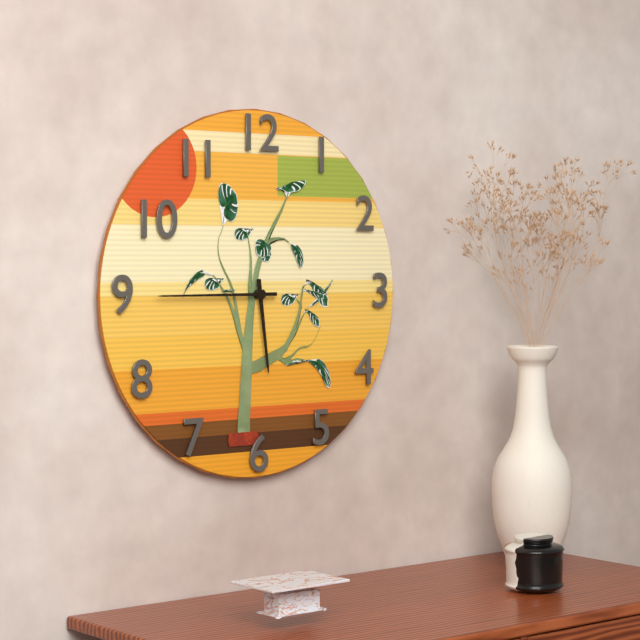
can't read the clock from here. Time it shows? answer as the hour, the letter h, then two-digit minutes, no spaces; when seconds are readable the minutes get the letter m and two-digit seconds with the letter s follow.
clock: 5h45
